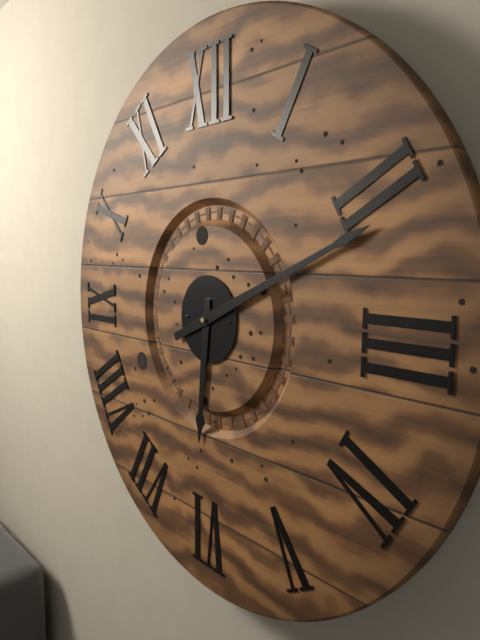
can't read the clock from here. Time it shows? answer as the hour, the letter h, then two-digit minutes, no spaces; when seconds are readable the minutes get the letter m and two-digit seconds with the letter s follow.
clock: 6h11
